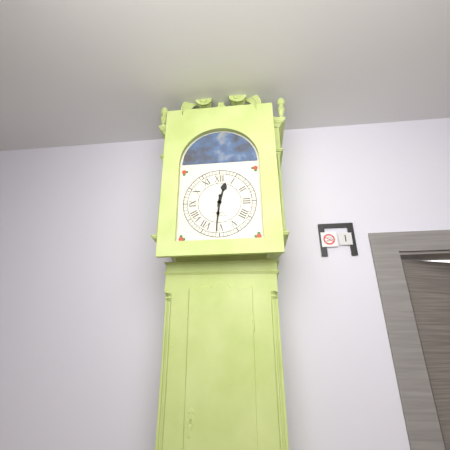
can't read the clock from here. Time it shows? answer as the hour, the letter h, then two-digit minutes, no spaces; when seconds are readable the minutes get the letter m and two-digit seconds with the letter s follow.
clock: 12h31
